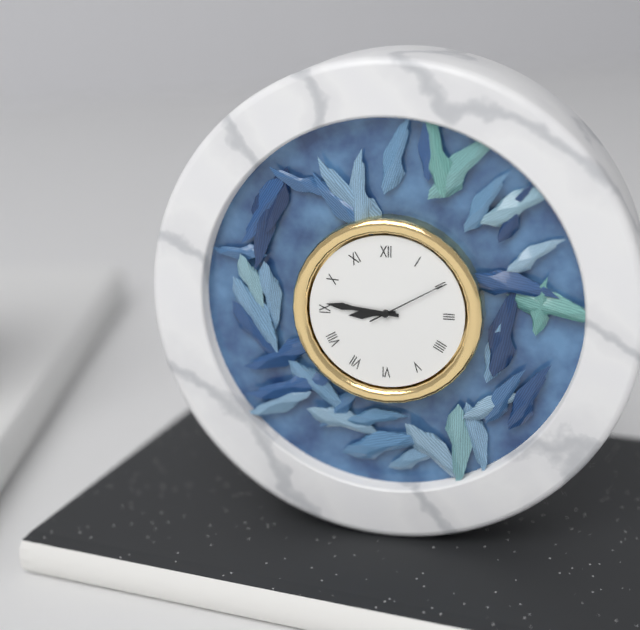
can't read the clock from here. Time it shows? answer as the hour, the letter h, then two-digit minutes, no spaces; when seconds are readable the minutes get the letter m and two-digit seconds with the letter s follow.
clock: 8h46m10s
